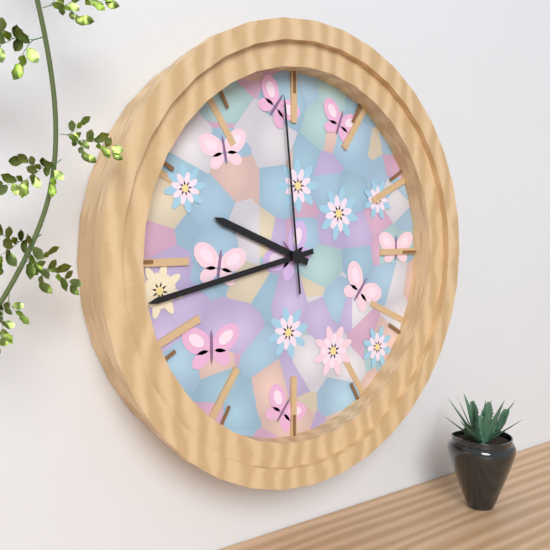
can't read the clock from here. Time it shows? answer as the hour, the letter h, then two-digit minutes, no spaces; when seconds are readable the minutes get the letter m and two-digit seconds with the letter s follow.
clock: 9h43m59s
